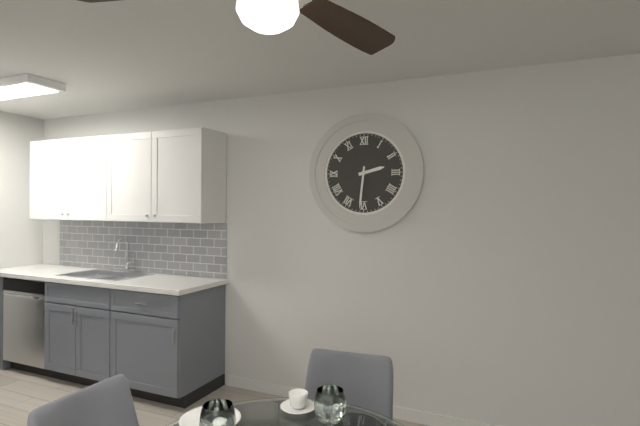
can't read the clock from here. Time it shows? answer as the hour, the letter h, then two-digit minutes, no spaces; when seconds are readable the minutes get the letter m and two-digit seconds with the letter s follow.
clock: 2h31
